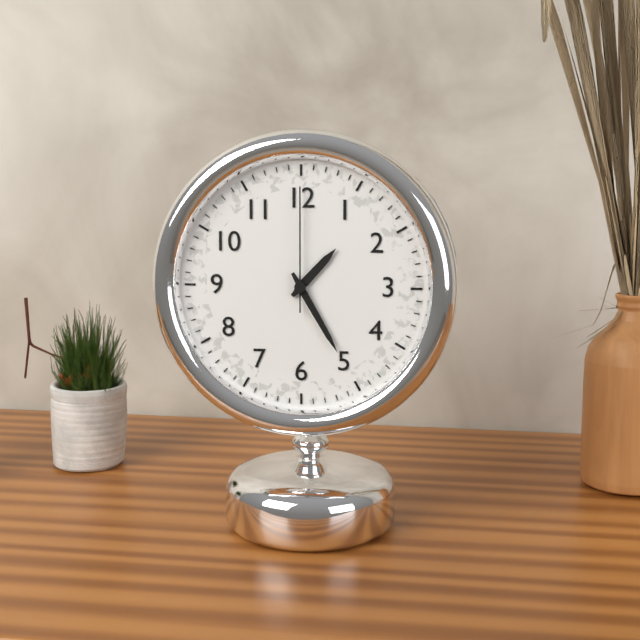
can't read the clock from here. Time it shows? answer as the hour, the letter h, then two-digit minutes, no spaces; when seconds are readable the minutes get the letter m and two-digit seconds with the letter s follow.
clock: 1h25m00s
